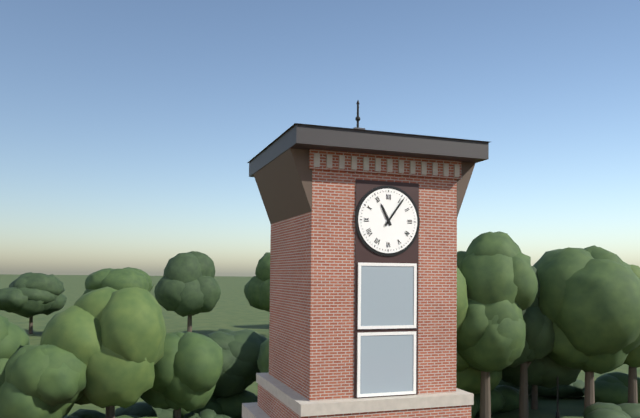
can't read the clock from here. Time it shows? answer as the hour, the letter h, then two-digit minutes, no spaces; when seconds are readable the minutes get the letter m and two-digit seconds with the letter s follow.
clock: 11h06
